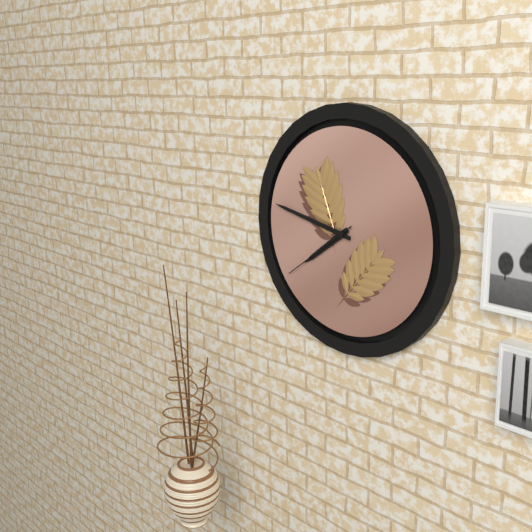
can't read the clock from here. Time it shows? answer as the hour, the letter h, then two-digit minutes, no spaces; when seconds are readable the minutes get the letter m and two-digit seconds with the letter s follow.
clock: 7h47m39s
